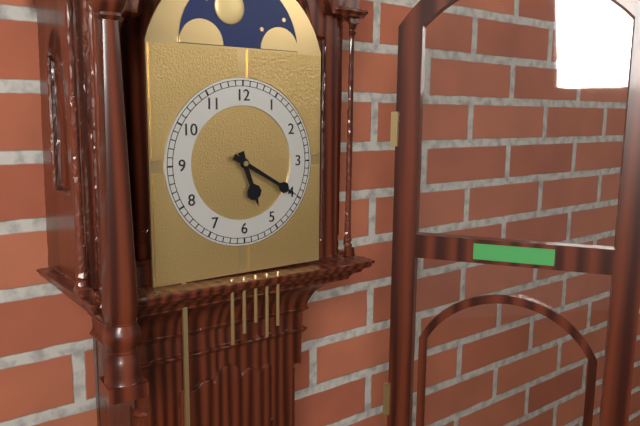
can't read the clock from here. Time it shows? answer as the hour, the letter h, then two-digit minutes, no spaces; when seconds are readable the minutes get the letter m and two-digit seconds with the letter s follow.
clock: 5h20
